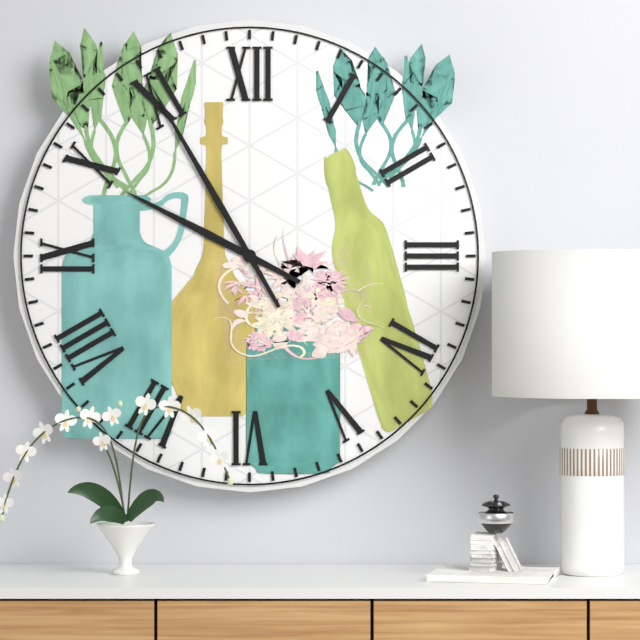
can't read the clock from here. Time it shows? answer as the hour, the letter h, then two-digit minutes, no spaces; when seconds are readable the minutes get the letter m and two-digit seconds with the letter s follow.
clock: 9h55
